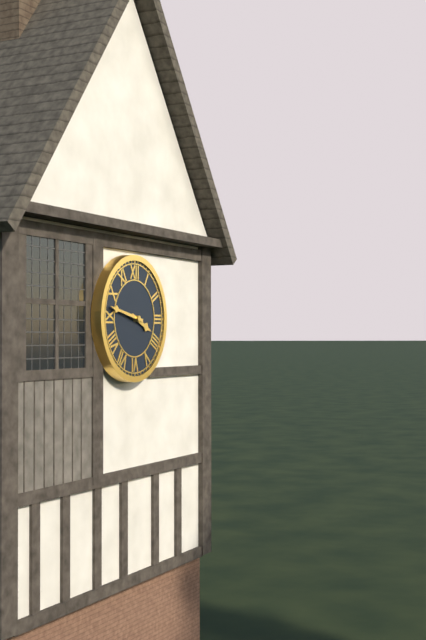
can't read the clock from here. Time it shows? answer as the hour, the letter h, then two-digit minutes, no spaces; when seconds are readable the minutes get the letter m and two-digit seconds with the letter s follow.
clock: 3h47
